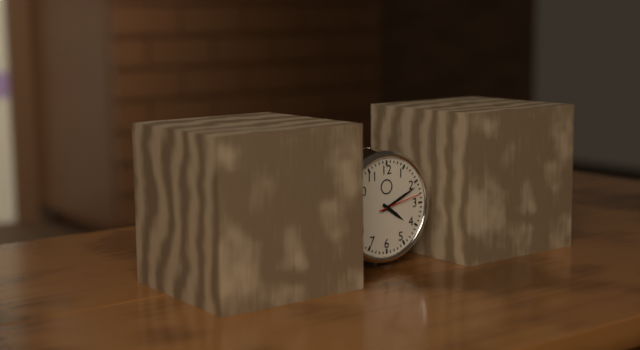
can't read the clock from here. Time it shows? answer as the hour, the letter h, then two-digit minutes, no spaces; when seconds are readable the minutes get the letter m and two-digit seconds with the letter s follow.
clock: 4h11
